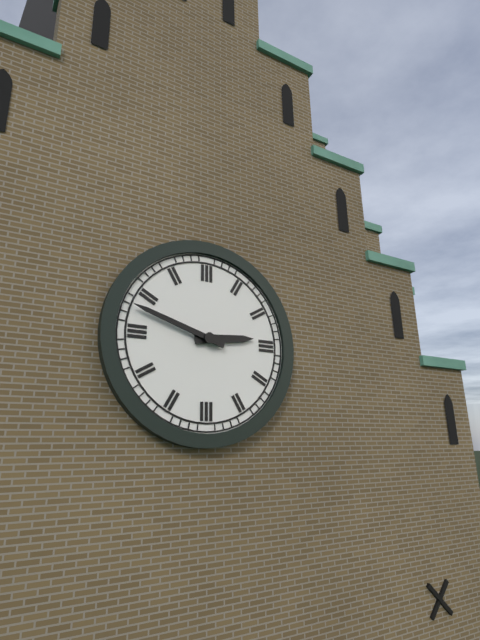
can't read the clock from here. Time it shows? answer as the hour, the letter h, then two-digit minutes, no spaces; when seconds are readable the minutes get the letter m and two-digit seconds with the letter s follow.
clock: 2h48
